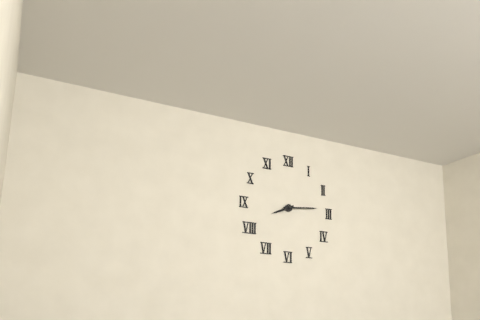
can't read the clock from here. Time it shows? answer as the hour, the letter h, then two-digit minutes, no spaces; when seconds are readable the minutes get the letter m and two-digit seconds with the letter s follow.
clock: 8h14
